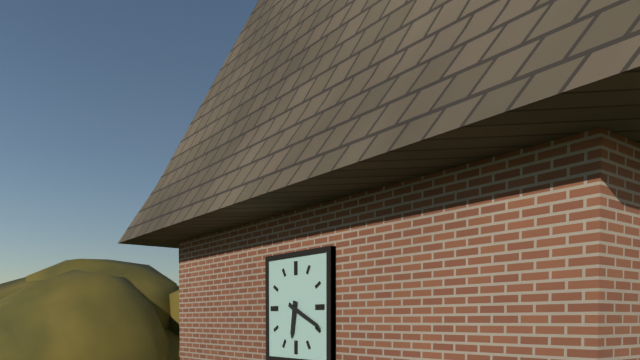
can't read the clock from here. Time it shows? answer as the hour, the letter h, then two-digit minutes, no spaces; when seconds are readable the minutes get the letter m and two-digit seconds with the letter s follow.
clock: 6h19
